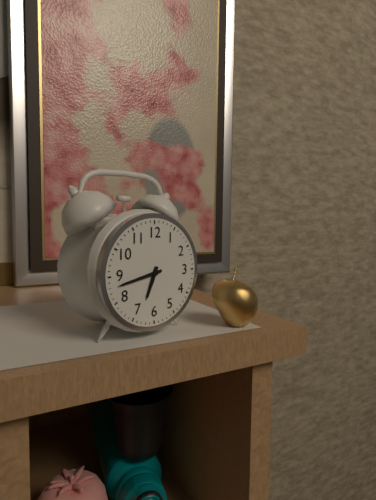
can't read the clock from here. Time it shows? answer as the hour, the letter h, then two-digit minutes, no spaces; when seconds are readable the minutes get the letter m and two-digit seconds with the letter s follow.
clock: 6h43
